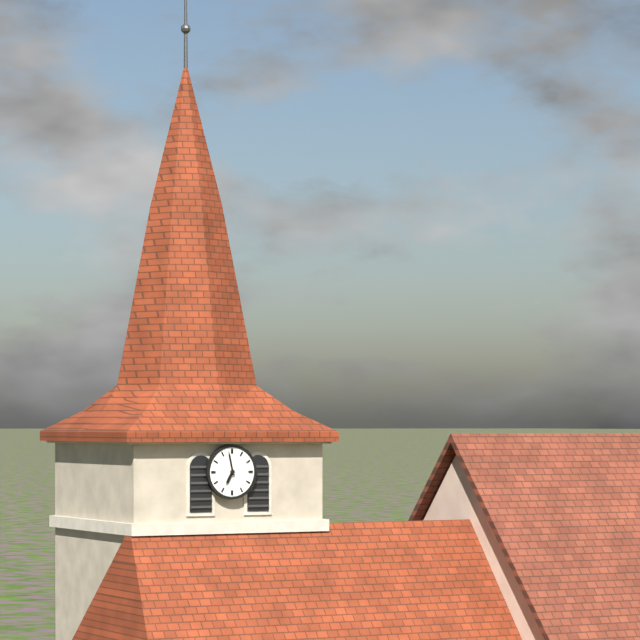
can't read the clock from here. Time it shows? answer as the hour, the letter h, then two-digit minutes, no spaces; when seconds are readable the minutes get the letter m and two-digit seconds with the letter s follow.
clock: 6h58
